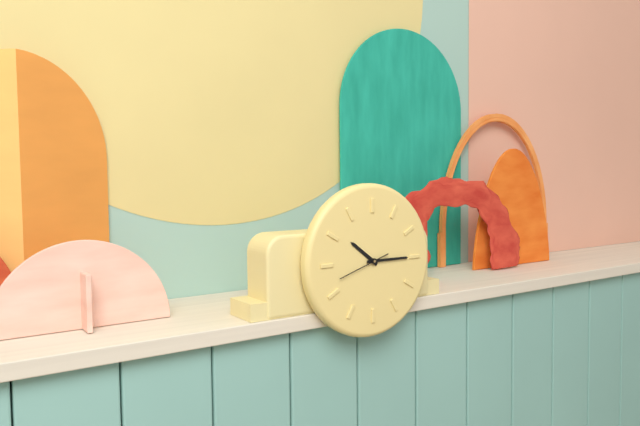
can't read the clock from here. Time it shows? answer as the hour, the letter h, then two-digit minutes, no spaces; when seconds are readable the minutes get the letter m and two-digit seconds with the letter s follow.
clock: 10h15
